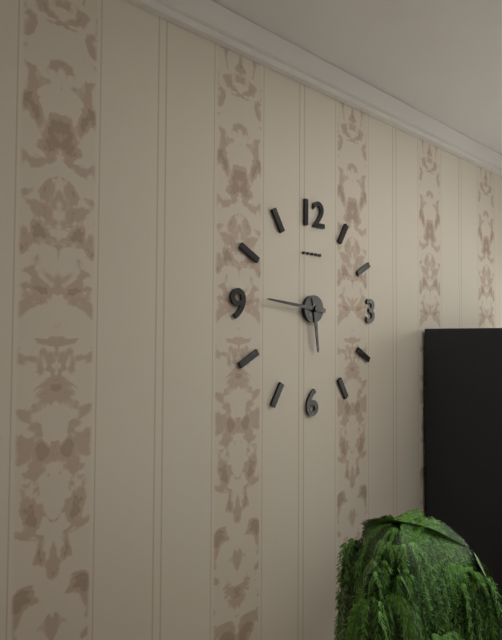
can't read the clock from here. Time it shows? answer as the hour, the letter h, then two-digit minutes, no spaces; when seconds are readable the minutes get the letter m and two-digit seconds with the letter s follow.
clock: 5h46
